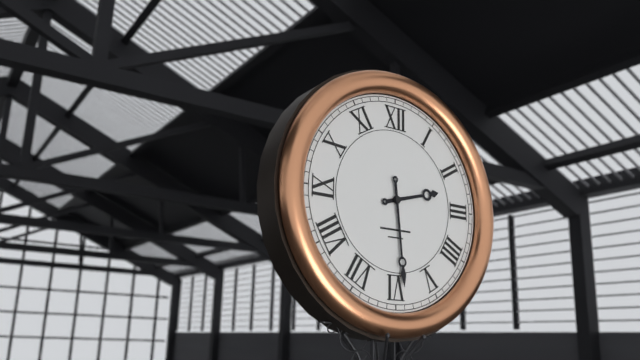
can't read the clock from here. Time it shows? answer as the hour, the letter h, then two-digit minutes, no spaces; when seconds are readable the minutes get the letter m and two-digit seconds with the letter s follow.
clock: 2h29
